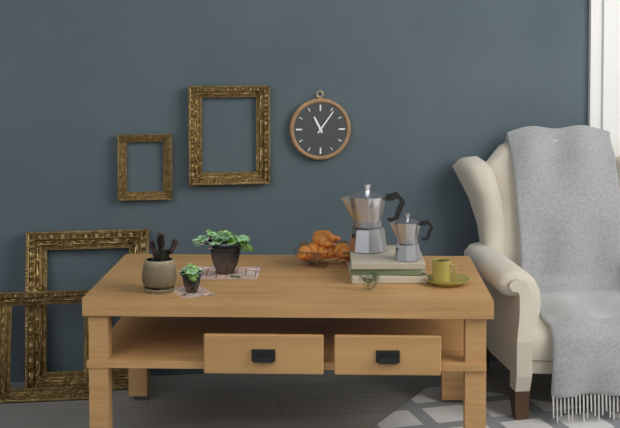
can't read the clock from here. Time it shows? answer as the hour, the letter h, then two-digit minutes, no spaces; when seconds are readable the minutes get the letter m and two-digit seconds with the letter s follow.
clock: 11h06
